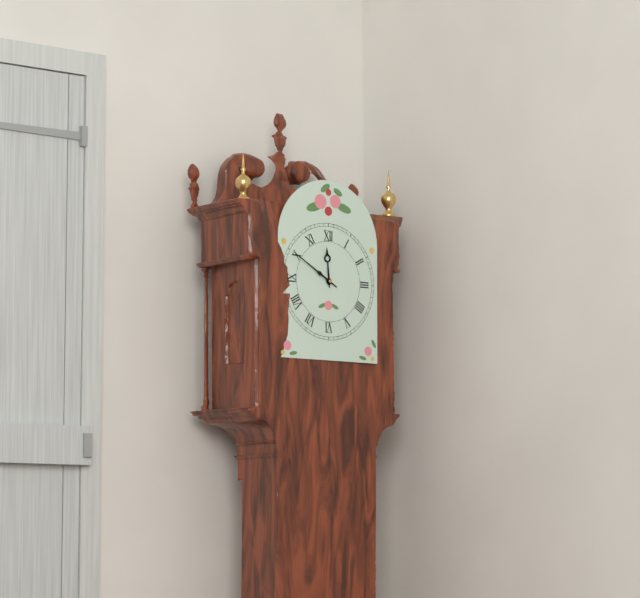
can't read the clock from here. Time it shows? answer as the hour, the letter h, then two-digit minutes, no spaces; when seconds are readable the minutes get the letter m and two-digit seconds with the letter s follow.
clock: 11h50
